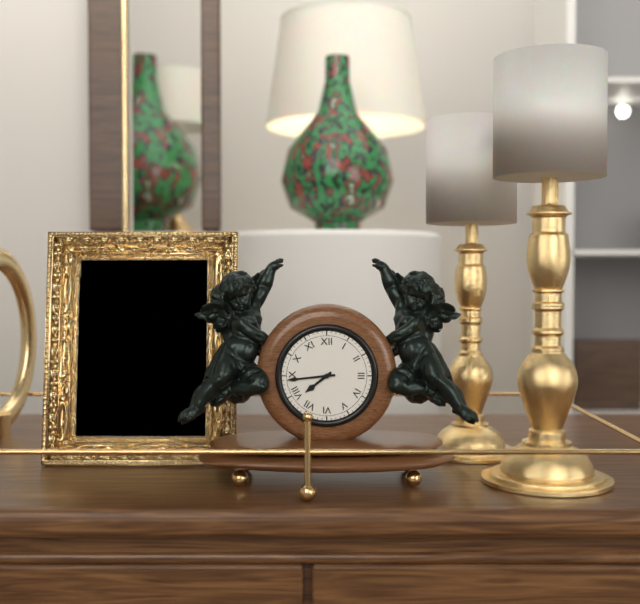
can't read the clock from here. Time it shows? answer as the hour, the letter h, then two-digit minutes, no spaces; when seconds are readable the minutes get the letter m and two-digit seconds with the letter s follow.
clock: 7h44
